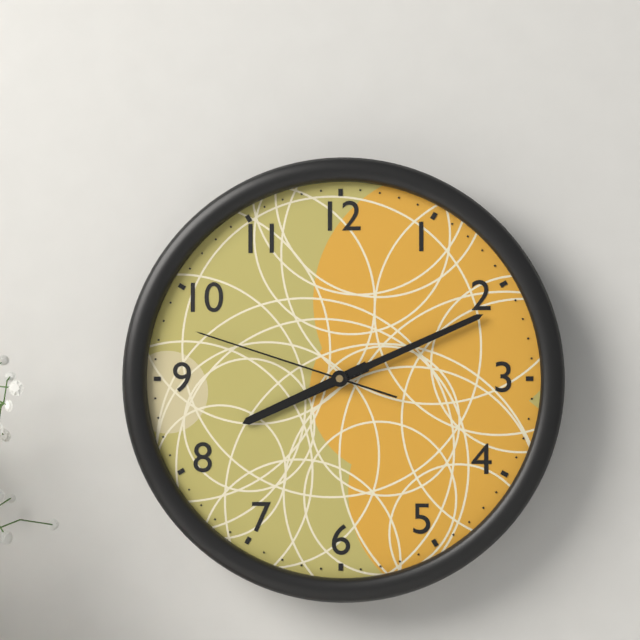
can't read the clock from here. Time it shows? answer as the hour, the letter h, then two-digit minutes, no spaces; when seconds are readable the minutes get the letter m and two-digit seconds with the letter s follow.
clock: 8h11m48s
